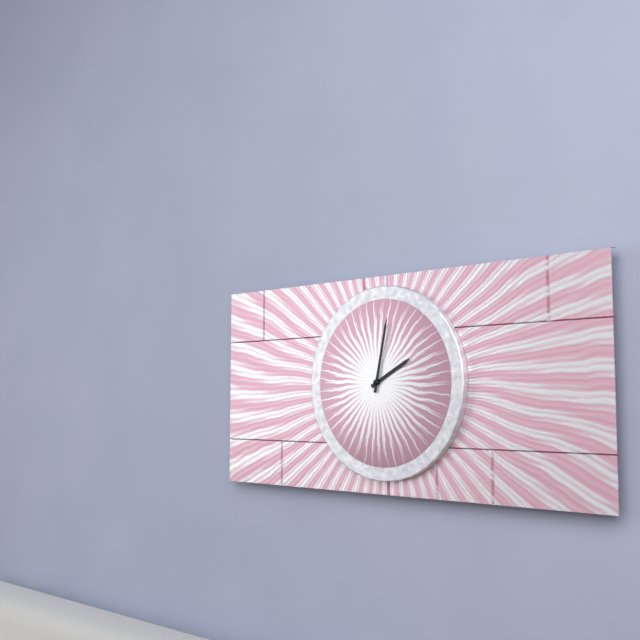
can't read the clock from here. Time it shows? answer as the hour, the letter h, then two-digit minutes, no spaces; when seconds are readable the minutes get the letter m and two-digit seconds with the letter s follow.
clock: 2h02
